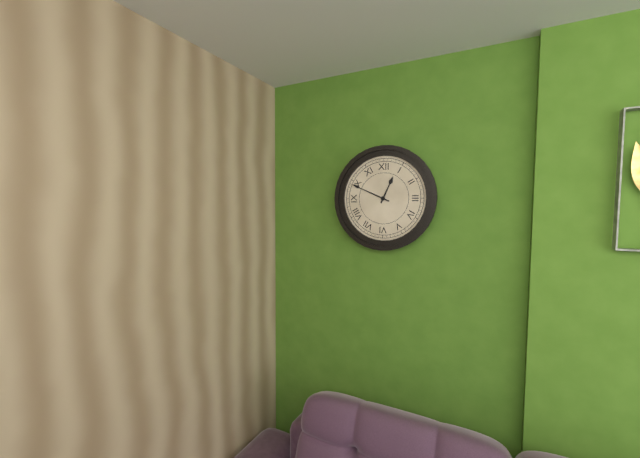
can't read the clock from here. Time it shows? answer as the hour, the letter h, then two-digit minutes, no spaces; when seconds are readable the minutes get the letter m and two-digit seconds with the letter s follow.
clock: 12h49
